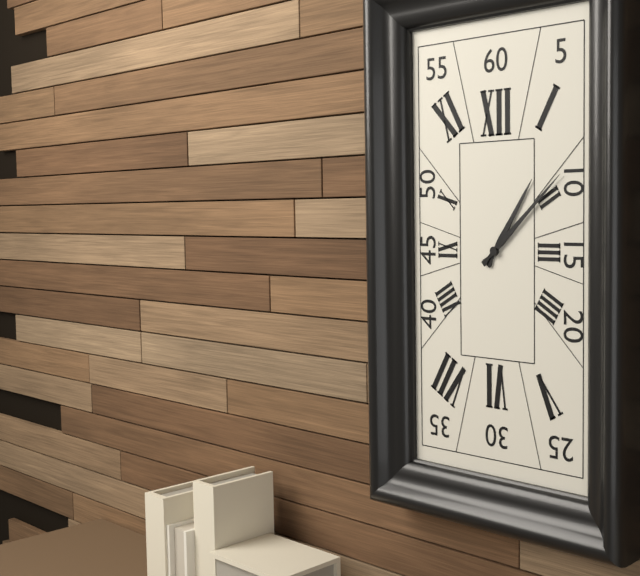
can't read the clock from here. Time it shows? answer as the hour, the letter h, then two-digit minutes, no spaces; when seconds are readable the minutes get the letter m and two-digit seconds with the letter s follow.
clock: 1h08
